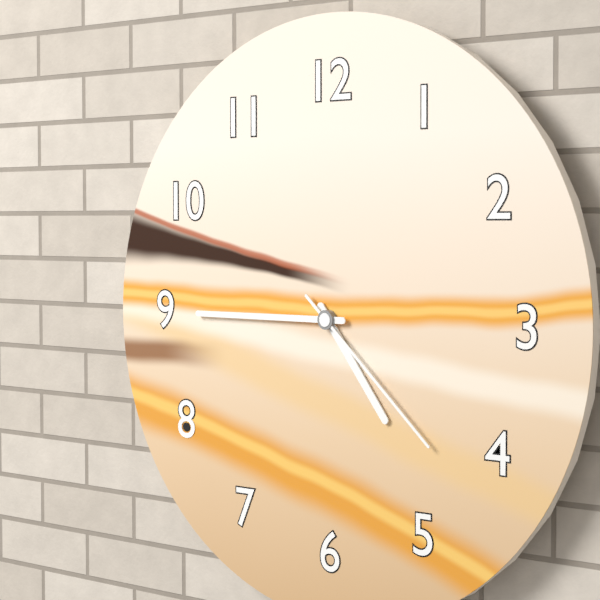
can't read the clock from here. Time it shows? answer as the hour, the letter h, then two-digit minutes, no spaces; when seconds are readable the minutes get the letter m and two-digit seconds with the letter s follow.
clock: 4h45m22s
